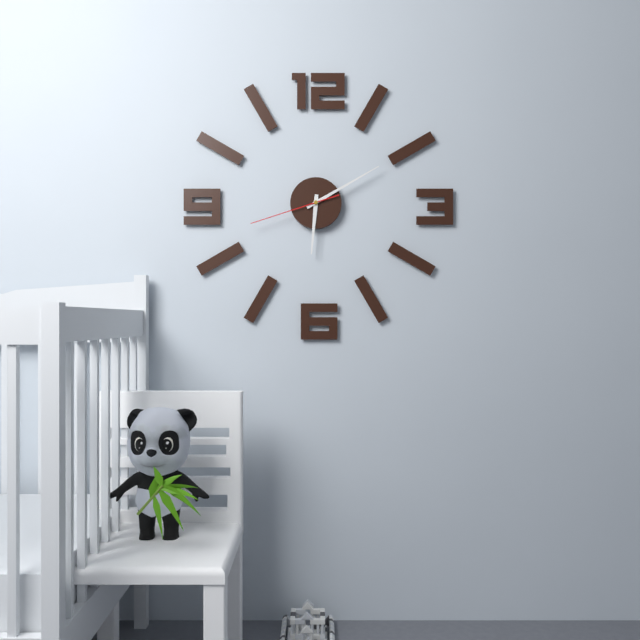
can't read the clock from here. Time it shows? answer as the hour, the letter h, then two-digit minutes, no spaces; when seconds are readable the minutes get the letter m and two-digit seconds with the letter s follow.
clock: 6h10m42s
